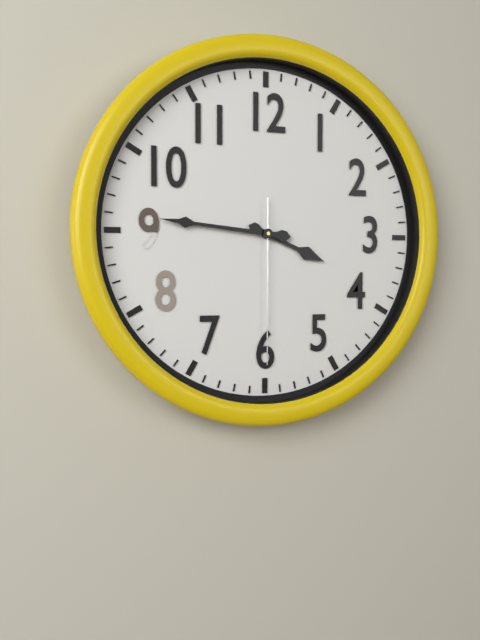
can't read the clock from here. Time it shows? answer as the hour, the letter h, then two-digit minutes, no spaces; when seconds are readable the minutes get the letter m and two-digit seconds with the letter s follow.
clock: 3h46m30s
